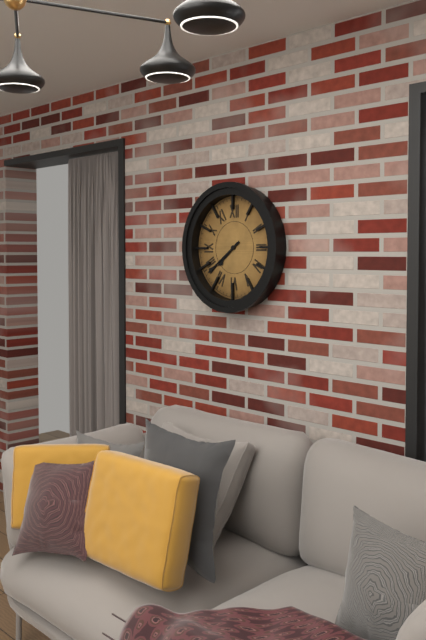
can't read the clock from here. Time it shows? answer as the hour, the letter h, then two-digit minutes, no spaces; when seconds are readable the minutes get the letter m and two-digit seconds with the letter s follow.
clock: 7h39
